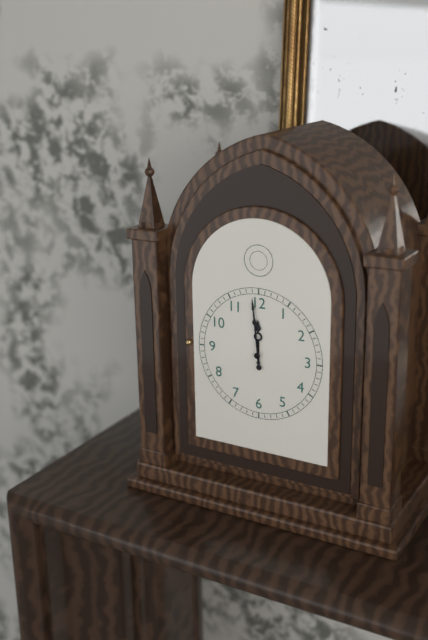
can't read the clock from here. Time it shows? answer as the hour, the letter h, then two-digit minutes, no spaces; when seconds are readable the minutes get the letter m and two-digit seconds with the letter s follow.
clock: 11h59
